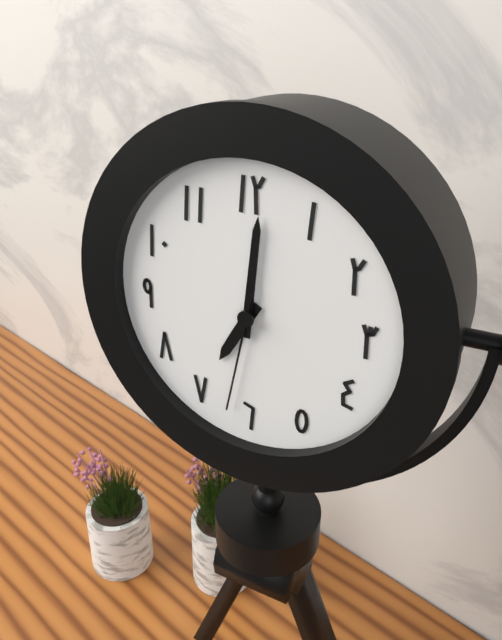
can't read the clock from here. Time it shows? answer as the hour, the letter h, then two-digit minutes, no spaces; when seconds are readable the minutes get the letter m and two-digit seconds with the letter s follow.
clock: 7h01m32s
